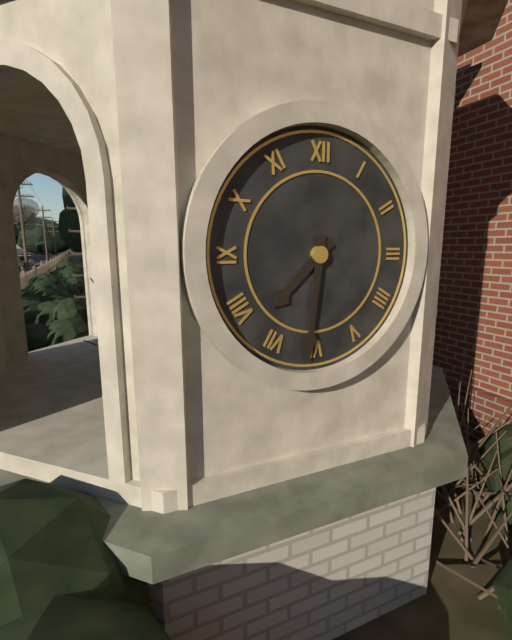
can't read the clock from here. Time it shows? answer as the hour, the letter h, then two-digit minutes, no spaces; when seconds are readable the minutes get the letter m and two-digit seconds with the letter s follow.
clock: 7h31
